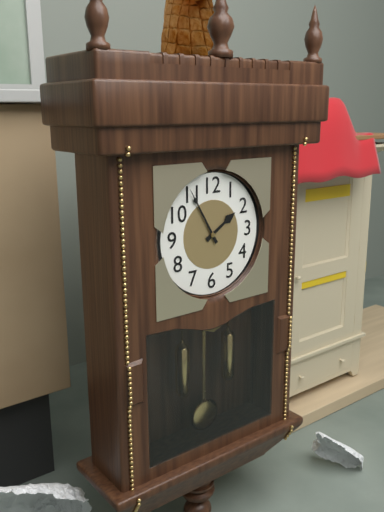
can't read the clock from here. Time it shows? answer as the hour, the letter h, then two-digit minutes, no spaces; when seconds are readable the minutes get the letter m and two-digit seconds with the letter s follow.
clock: 1h55
